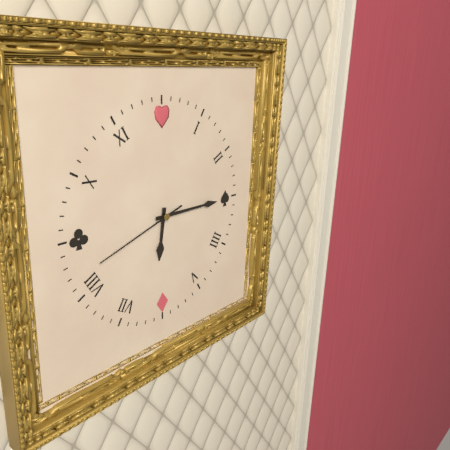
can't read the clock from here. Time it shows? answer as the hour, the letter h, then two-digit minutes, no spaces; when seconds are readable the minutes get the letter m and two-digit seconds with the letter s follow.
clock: 6h15m42s
